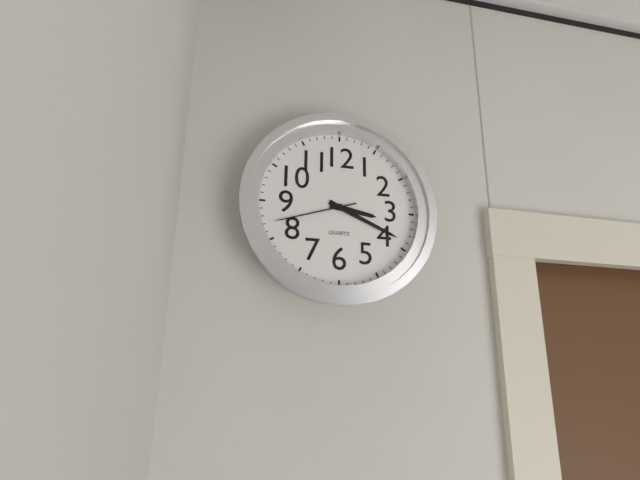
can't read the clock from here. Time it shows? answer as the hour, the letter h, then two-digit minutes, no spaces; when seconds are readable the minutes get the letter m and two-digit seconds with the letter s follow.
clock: 3h19m42s
